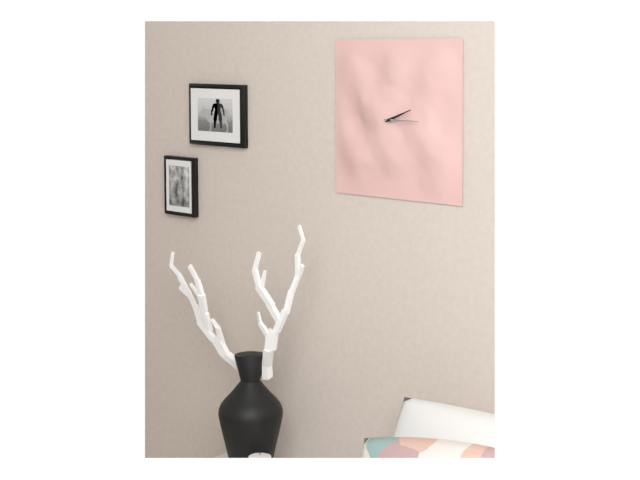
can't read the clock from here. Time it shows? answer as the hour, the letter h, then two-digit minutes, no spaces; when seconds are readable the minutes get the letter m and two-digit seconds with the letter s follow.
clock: 2h15
